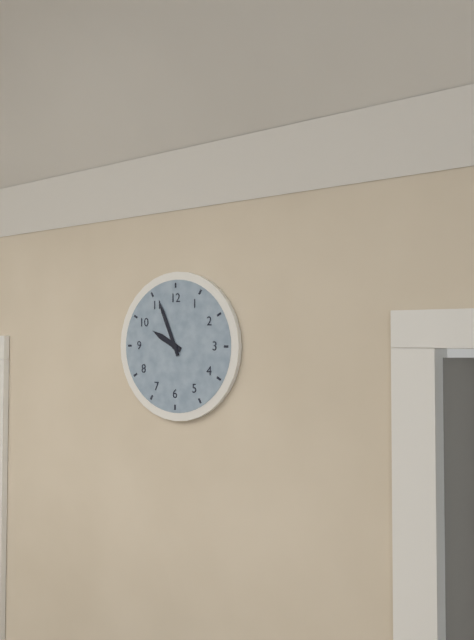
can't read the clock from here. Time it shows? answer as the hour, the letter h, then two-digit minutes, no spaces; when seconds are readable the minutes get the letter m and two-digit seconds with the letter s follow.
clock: 9h56
